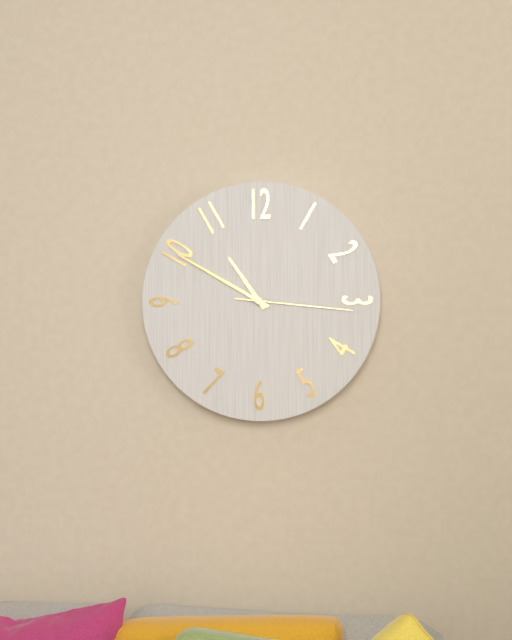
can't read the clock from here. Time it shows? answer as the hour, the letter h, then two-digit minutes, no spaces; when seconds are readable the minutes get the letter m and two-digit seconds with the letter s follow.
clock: 10h50m16s
